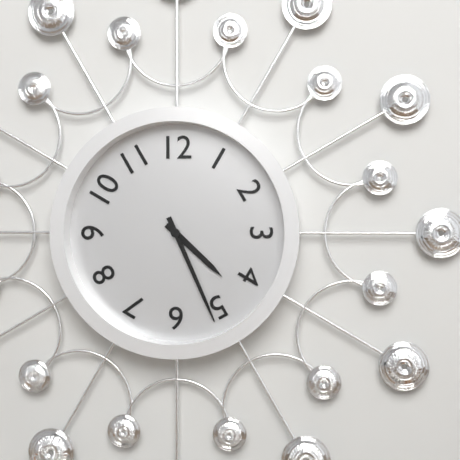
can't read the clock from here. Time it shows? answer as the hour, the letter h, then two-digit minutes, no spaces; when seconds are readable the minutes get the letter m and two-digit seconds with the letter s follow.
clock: 4h26
